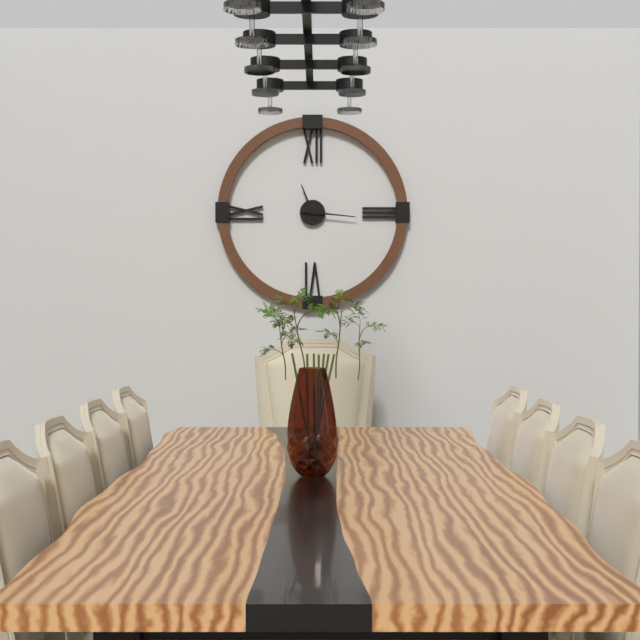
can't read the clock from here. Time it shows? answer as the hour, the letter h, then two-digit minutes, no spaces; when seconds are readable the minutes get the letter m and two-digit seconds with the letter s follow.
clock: 11h16
